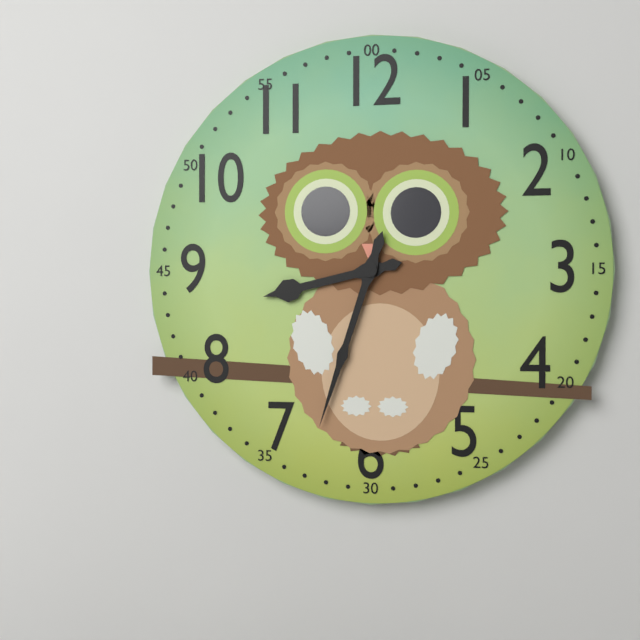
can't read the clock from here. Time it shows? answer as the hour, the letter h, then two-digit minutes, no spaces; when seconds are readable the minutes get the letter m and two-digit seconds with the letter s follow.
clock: 8h33
